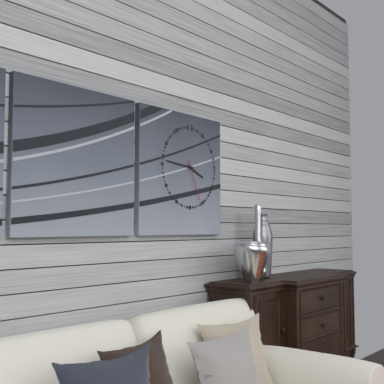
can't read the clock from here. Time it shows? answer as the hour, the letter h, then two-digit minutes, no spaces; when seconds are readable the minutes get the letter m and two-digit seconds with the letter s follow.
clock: 3h46
